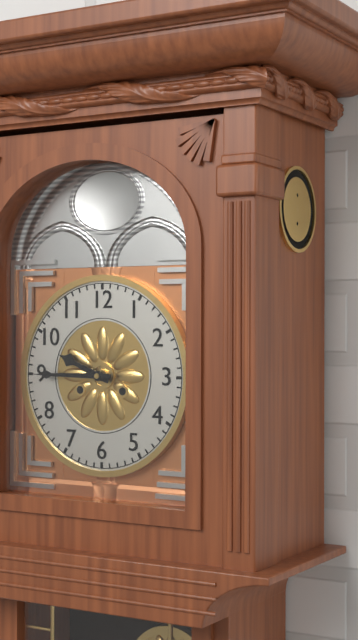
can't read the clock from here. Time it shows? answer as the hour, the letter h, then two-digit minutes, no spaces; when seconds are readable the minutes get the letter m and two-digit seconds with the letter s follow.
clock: 9h45
